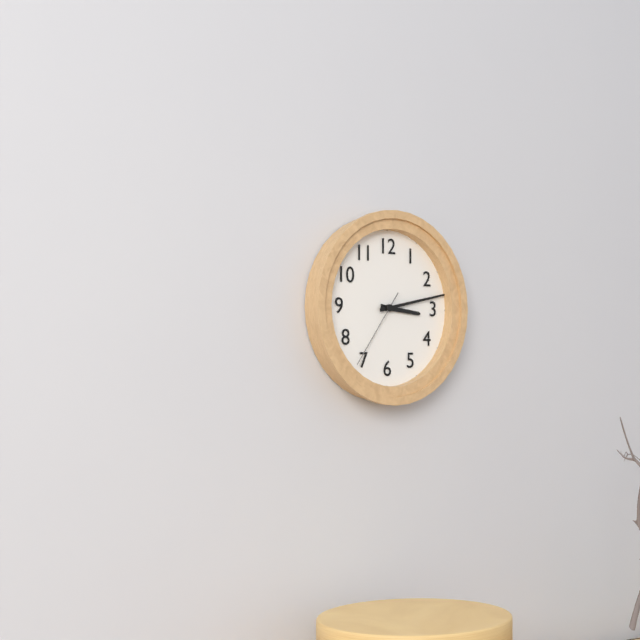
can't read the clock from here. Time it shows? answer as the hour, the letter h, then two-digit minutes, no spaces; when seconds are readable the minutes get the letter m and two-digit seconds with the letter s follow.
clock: 3h13m36s
